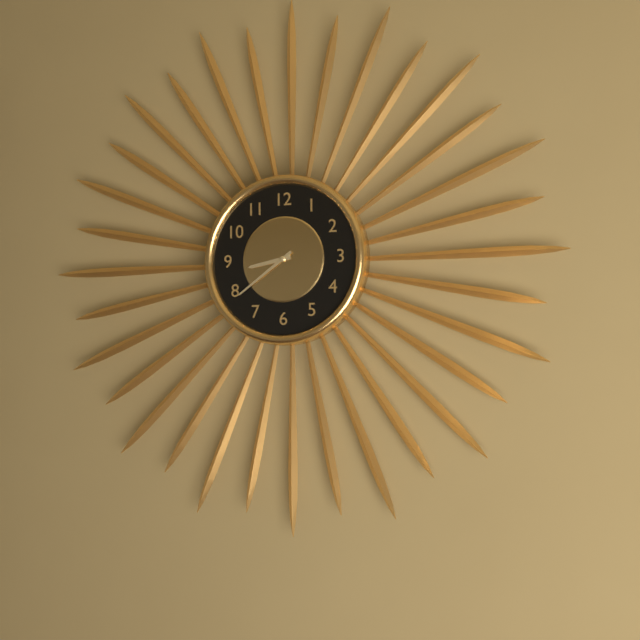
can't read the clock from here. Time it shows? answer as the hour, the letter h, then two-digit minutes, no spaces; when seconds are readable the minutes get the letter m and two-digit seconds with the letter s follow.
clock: 8h39
